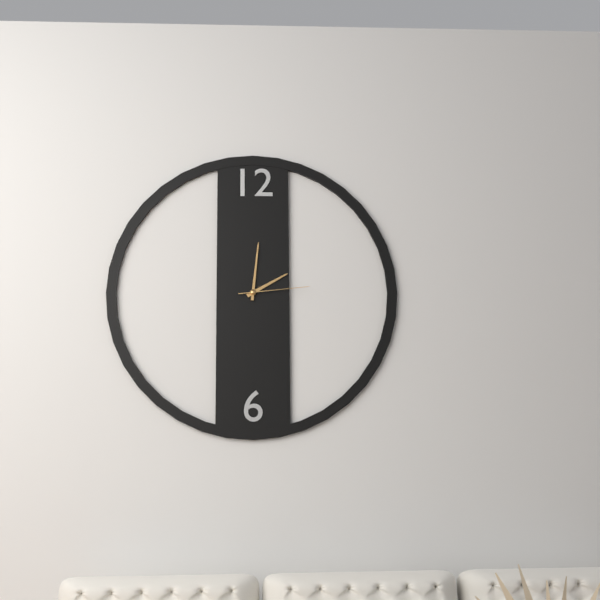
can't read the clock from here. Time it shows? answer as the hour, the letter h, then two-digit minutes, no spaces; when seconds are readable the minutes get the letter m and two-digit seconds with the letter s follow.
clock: 2h01m14s
